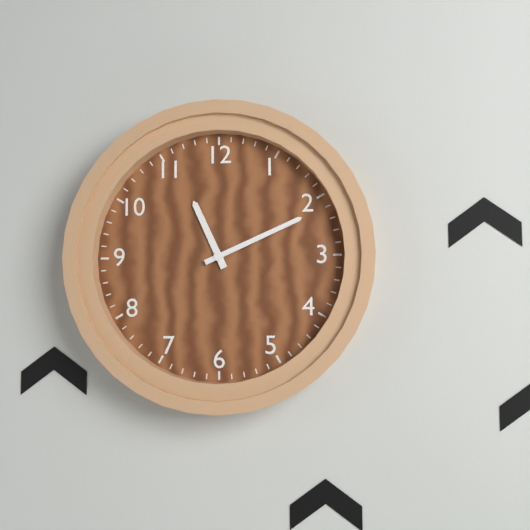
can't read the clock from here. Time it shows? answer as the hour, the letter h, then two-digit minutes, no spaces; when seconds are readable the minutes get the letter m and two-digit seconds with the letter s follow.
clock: 11h11
